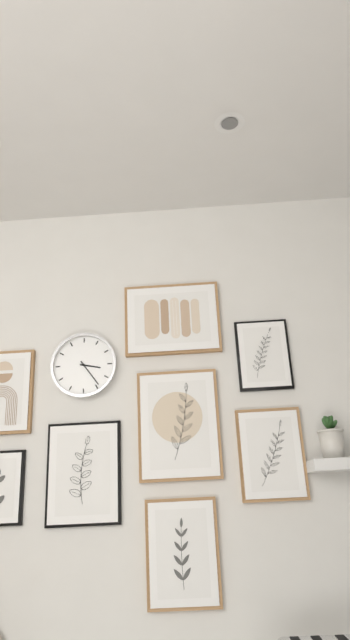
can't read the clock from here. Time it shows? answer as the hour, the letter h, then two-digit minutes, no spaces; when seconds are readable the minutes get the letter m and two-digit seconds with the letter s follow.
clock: 3h24
